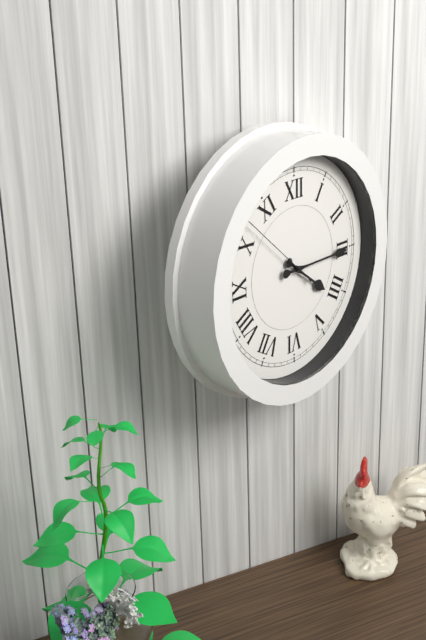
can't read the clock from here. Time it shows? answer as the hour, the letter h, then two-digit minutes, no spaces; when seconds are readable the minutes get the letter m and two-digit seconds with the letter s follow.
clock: 4h15m52s
